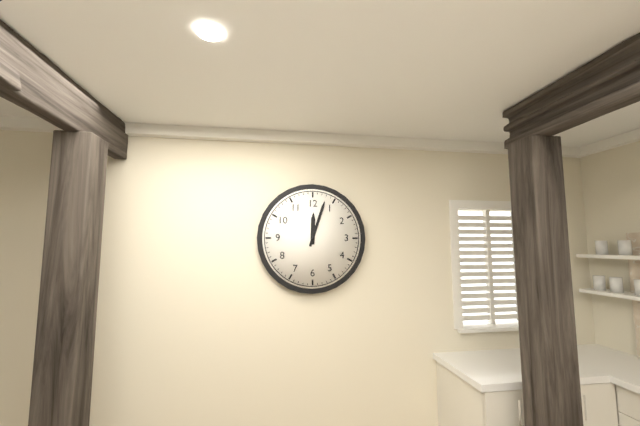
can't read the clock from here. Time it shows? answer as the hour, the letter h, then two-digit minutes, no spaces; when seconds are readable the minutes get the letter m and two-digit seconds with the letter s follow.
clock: 12h03
